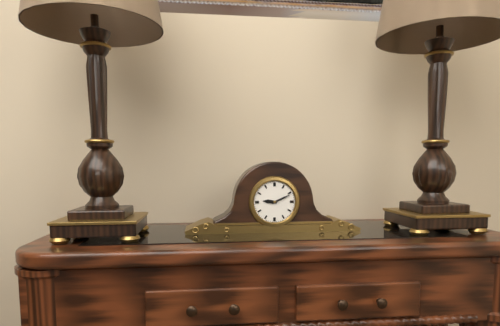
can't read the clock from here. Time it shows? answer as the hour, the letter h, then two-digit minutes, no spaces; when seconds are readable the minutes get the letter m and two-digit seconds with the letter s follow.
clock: 9h11
